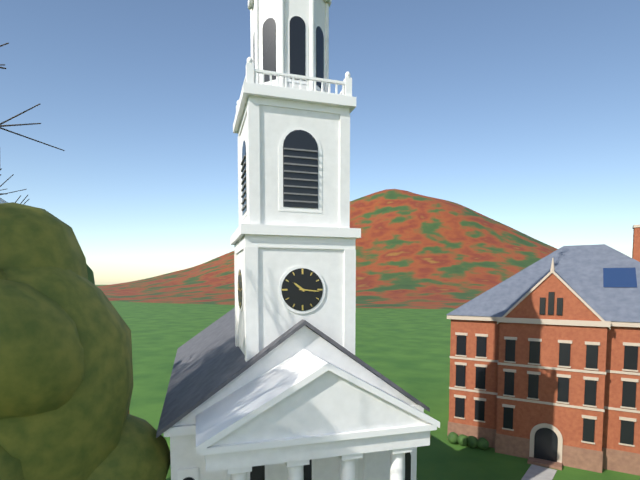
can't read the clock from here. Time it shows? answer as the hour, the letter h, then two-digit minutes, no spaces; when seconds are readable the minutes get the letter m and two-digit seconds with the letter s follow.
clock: 10h16
